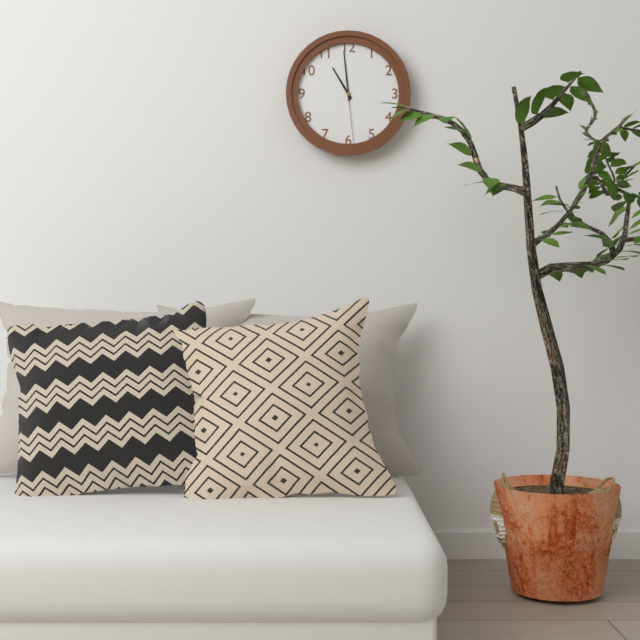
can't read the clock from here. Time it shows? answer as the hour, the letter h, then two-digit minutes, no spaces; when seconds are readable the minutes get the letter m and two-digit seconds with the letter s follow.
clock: 10h59m29s
